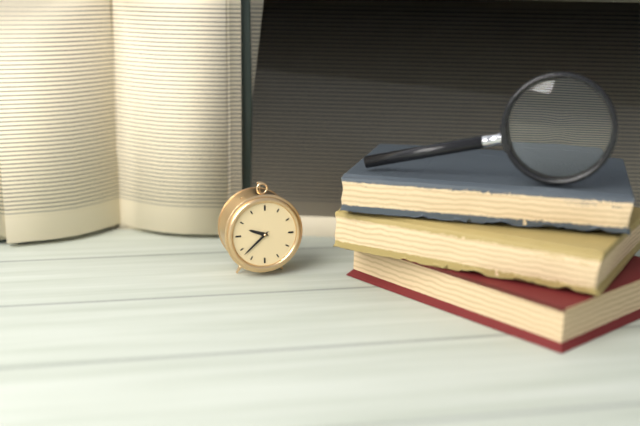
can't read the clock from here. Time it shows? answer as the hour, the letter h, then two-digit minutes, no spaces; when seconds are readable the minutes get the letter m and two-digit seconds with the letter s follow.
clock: 9h38
